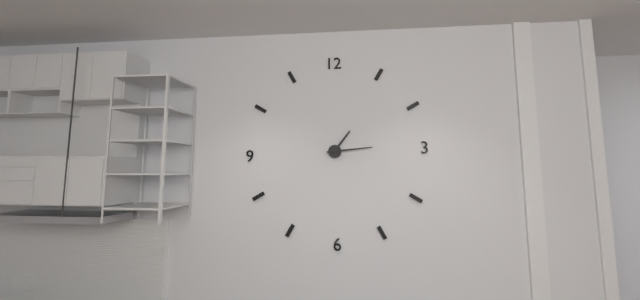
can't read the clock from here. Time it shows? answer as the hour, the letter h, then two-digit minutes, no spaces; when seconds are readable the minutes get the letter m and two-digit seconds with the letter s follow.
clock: 1h14
